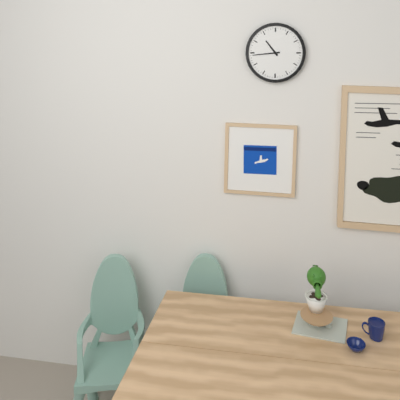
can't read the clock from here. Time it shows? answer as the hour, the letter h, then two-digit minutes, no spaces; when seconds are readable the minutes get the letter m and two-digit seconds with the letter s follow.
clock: 10h44
